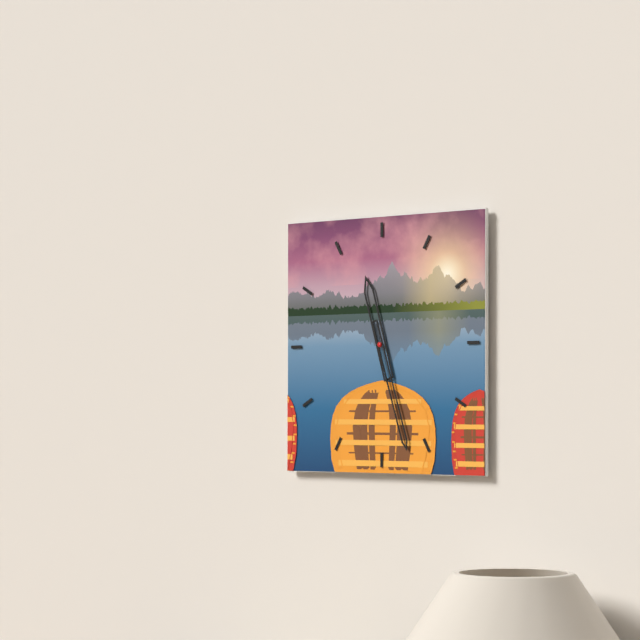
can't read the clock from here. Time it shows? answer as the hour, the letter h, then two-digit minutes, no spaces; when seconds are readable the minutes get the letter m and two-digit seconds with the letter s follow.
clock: 11h27
